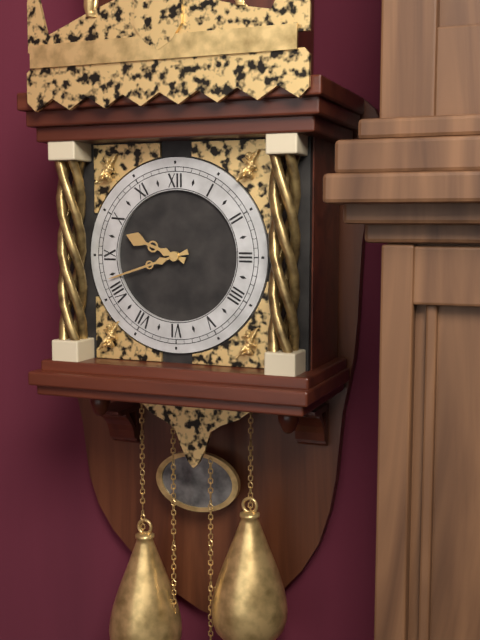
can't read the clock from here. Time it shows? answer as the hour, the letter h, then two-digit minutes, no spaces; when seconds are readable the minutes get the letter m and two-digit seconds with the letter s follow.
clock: 9h42
